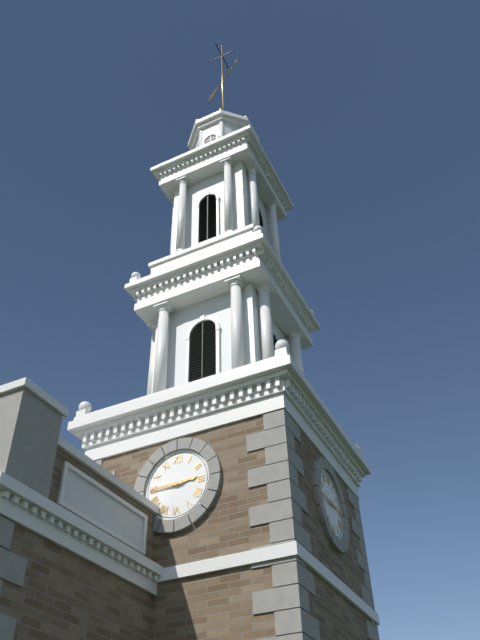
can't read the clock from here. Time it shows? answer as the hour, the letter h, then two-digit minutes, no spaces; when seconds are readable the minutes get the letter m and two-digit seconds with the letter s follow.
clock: 2h45
